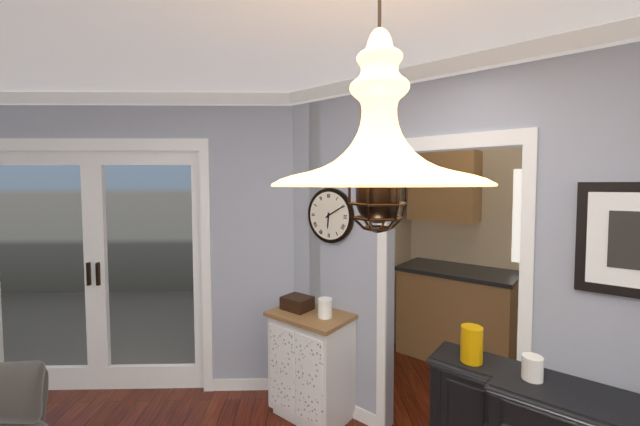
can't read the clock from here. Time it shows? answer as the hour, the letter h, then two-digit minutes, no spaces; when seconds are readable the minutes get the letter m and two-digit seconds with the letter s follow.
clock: 6h10
